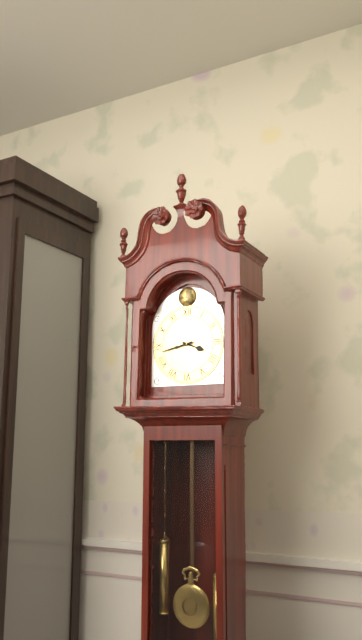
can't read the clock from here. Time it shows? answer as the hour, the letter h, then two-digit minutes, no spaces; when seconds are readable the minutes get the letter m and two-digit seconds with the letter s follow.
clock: 3h43
